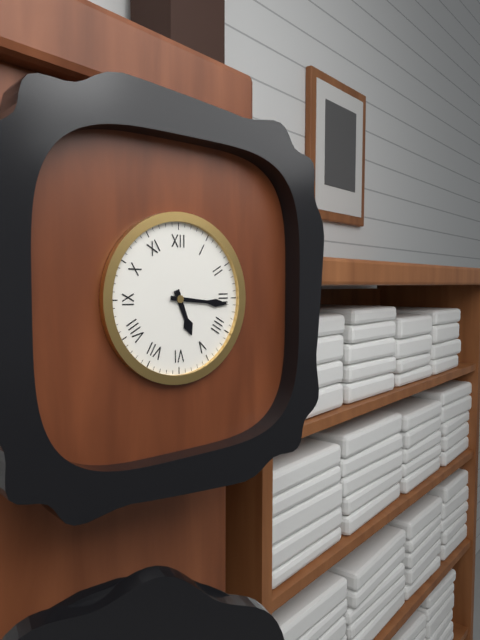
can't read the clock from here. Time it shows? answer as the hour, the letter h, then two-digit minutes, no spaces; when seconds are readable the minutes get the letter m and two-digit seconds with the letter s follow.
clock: 5h16
